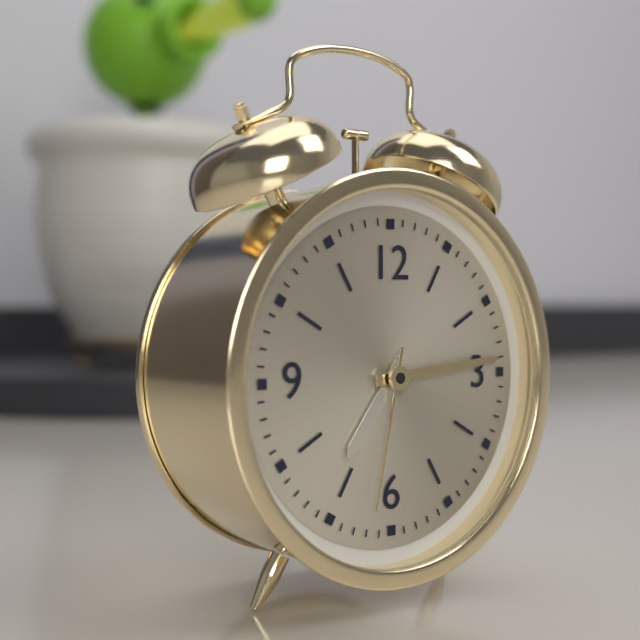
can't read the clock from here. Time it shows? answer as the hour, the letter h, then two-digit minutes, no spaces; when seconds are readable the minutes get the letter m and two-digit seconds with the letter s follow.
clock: 7h14m32s
